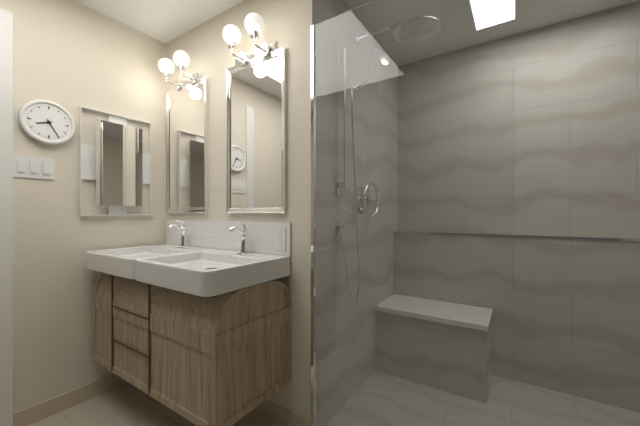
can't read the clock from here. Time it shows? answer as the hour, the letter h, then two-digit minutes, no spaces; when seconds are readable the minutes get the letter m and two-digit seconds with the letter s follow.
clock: 8h25
